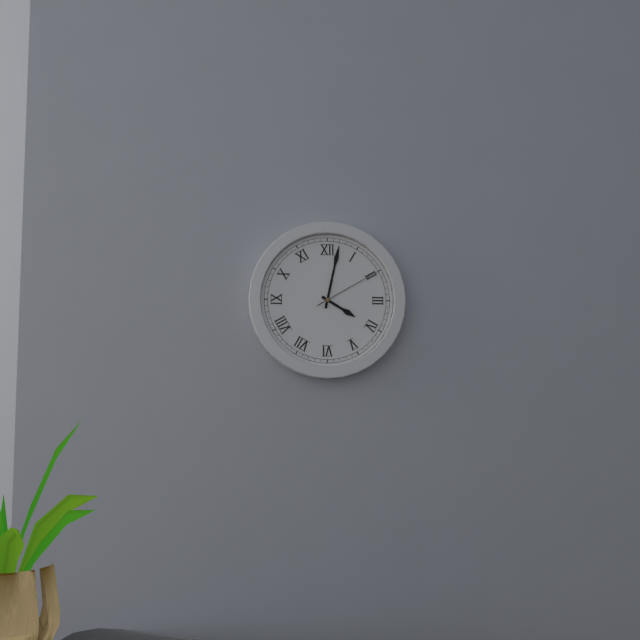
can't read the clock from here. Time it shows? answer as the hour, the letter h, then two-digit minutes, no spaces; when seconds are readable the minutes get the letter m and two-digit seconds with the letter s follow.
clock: 4h02m10s
